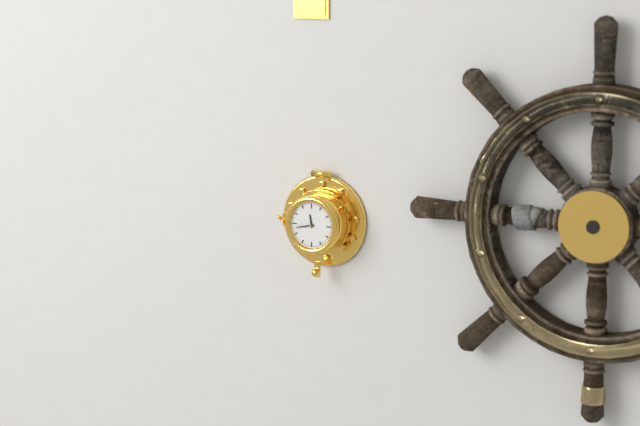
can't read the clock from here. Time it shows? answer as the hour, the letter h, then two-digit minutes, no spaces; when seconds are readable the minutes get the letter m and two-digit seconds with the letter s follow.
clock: 11h43
